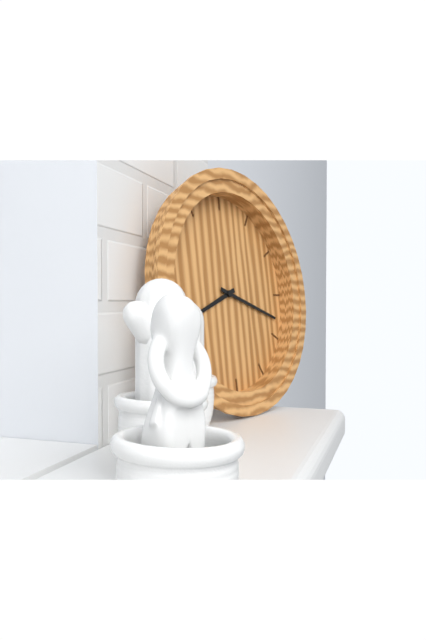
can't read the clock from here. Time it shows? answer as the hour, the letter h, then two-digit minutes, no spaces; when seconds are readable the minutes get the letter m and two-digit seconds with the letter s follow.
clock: 8h18
